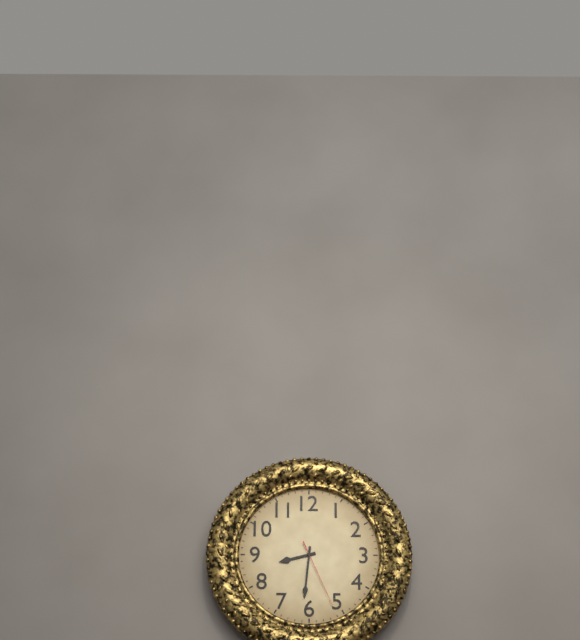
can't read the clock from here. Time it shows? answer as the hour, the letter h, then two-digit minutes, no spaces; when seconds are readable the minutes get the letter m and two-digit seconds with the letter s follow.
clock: 8h31m26s
